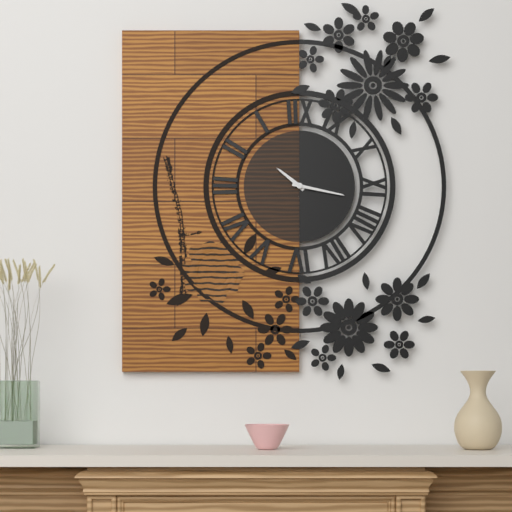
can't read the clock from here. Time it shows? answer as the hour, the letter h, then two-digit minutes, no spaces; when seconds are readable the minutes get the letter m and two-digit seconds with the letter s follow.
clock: 10h17
